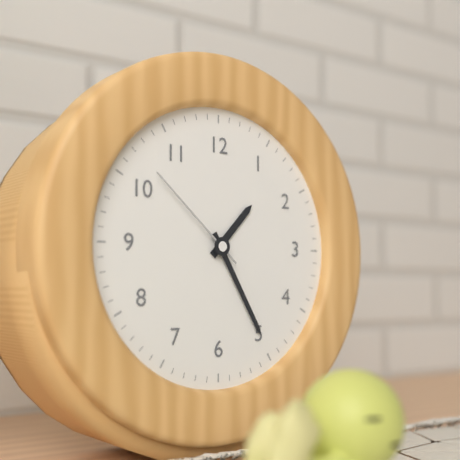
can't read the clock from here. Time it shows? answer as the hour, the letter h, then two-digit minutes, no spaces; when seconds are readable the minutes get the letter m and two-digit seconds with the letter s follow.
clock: 1h25m52s
